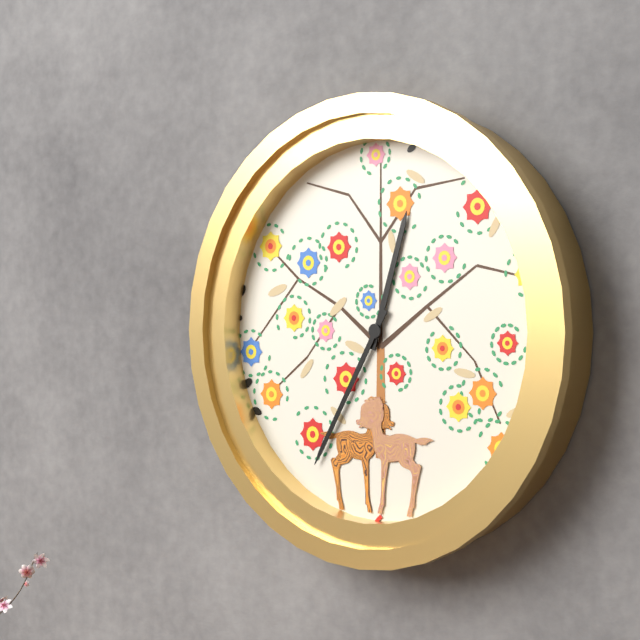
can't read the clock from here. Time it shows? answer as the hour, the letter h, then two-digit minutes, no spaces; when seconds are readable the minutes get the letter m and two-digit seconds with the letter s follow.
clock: 12h35
